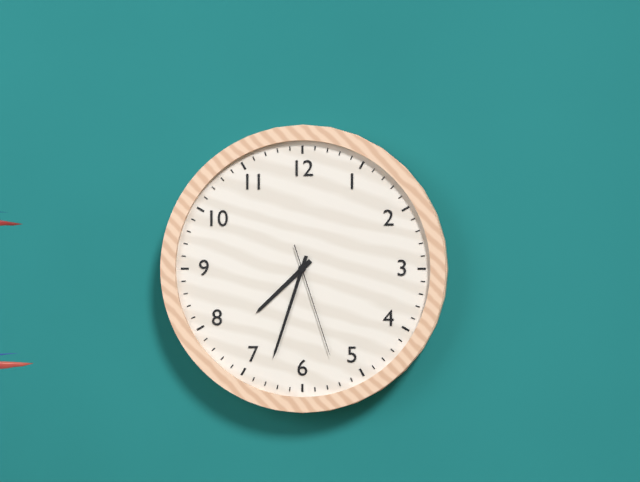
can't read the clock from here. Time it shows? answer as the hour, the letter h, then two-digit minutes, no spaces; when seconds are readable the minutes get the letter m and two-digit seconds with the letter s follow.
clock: 7h33m27s
